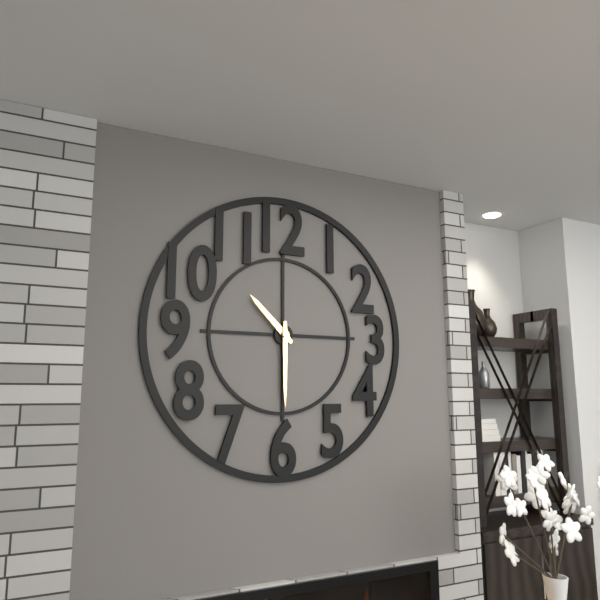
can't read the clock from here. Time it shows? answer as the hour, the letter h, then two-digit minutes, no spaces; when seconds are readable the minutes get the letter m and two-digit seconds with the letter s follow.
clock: 10h30
